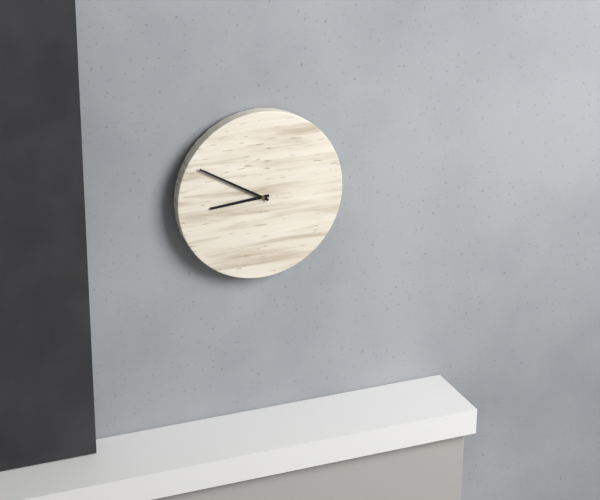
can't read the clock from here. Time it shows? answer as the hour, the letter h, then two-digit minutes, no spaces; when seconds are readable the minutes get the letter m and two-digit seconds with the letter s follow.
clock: 8h50
